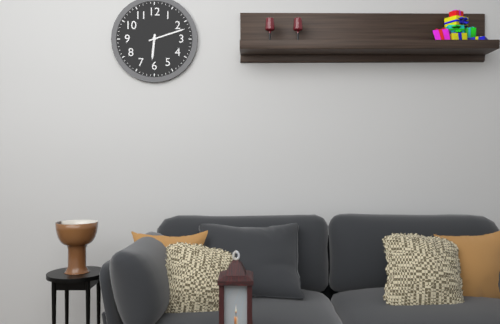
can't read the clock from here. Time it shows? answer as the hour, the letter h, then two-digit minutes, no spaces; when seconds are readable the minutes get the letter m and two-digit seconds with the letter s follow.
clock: 6h12
